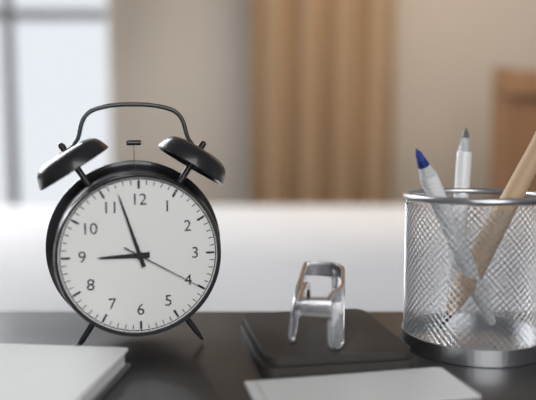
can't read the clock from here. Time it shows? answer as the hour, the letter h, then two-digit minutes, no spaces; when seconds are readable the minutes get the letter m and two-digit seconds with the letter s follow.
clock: 8h57m20s
